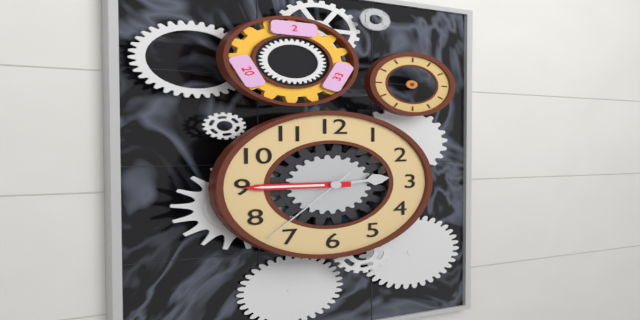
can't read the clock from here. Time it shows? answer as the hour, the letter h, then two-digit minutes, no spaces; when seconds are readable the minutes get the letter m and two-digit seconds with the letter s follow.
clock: 2h45m37s
